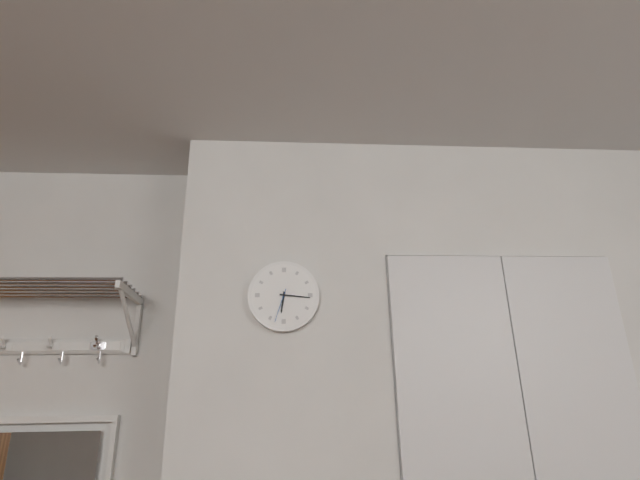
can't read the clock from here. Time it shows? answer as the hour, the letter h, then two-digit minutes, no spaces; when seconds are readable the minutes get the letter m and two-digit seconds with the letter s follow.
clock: 6h16
